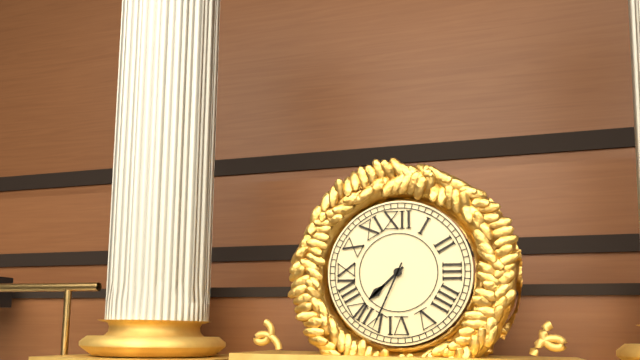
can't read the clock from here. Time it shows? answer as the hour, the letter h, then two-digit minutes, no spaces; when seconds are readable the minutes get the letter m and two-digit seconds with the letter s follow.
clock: 7h34
